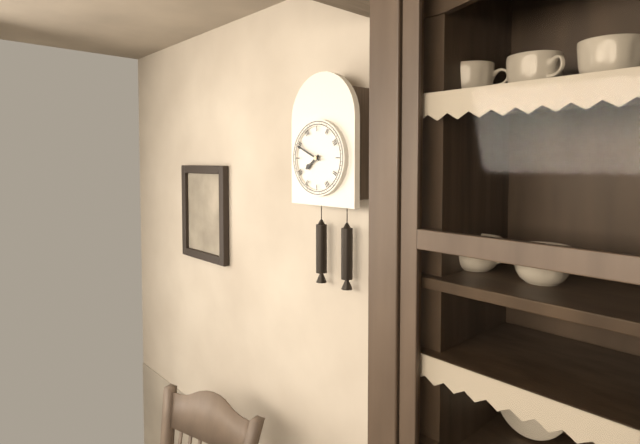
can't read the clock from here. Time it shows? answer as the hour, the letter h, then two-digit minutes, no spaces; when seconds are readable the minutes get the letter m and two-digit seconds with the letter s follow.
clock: 7h49
